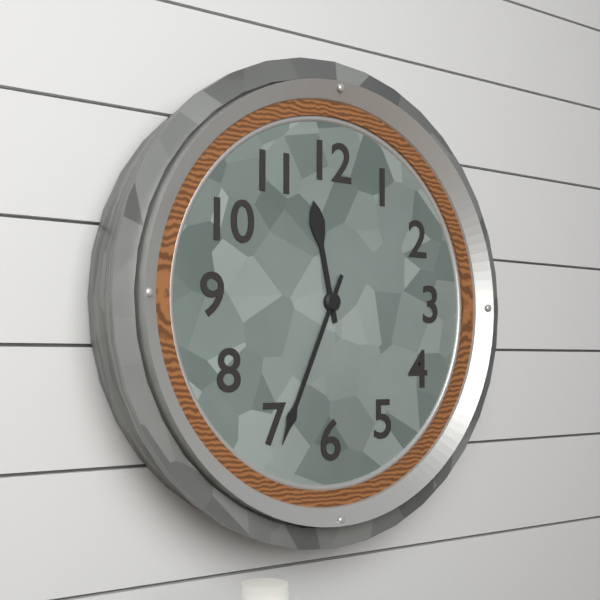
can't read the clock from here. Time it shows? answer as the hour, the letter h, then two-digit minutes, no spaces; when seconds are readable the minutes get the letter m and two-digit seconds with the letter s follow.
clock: 11h34
